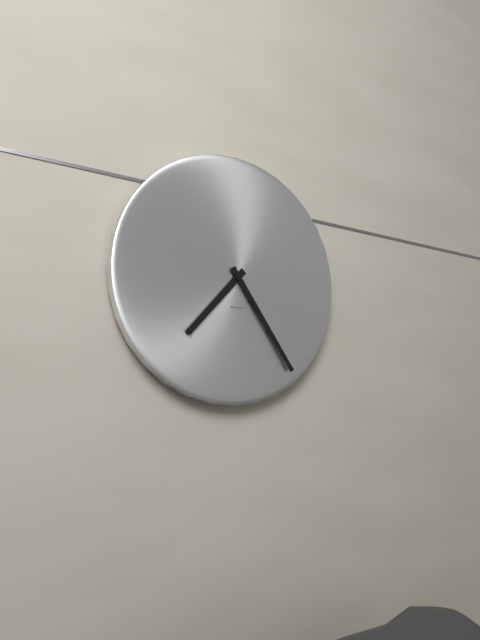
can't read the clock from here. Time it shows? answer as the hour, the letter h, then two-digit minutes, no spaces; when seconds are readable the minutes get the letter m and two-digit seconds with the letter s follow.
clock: 7h24
